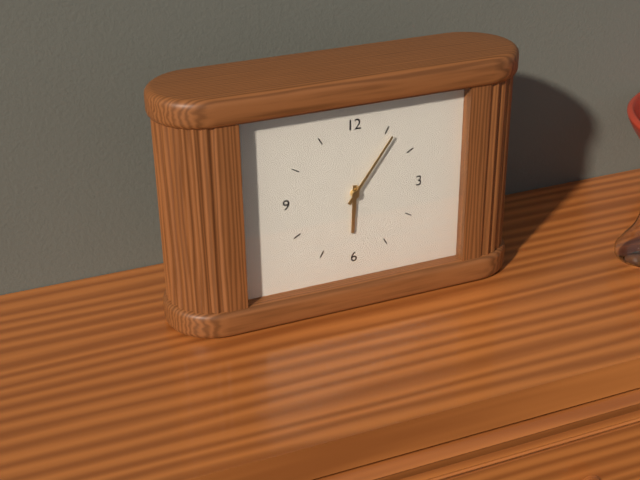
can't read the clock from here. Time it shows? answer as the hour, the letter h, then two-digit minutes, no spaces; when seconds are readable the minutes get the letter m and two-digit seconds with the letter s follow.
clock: 6h06
